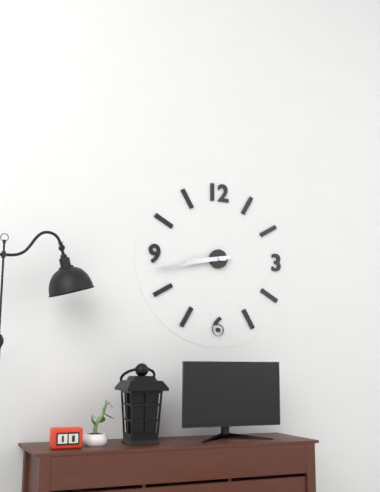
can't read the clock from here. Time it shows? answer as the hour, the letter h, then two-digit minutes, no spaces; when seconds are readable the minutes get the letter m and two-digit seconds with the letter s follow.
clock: 8h43
